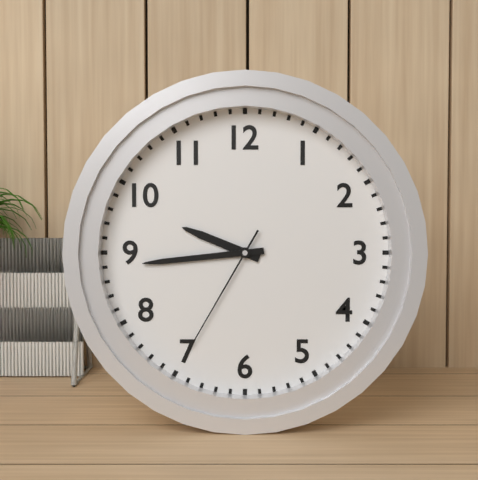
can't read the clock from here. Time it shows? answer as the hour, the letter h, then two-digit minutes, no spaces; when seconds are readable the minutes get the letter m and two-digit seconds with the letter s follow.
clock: 9h44m35s
